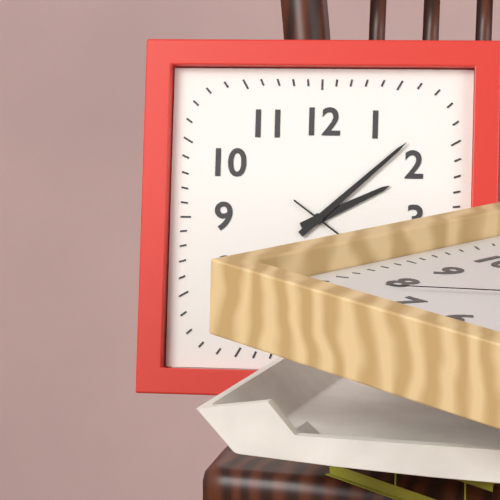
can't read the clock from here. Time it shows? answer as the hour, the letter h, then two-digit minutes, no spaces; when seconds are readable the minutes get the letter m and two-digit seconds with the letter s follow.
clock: 2h08
